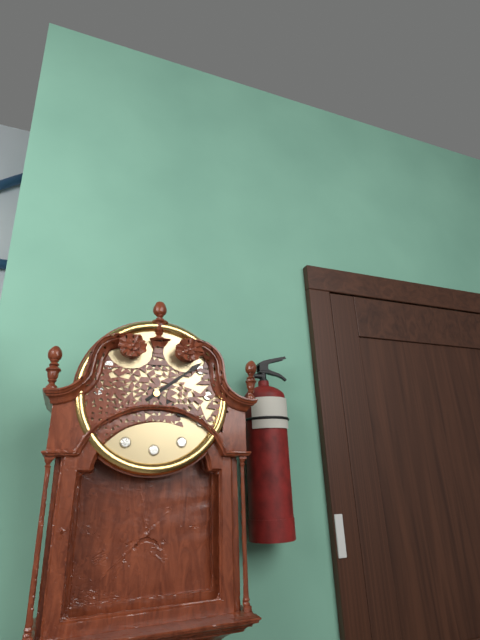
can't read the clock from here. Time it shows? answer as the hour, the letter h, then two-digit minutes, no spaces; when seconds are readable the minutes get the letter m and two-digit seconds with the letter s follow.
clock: 4h09
